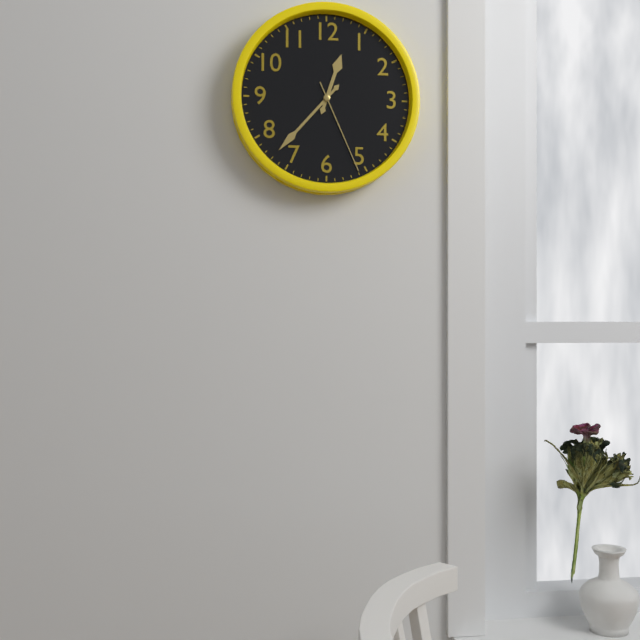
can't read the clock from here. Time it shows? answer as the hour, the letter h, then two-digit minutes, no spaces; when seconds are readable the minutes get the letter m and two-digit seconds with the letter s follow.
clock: 12h37m26s
